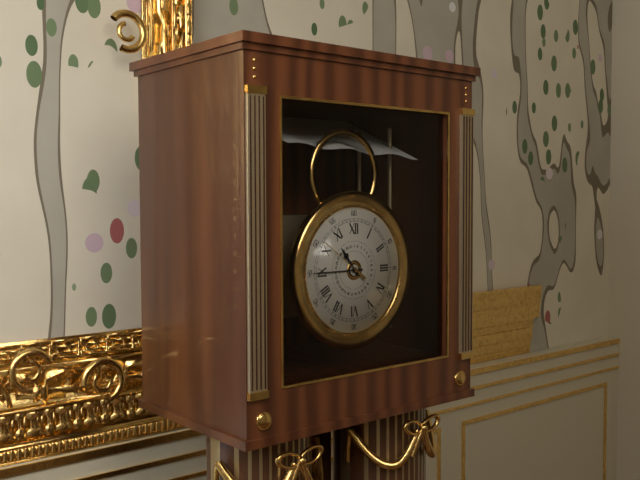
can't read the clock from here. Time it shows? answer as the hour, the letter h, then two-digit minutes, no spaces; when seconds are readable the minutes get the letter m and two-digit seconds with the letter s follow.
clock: 10h45m51s
